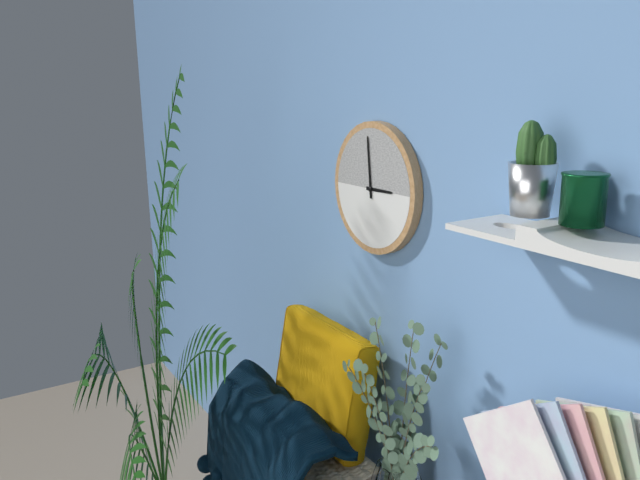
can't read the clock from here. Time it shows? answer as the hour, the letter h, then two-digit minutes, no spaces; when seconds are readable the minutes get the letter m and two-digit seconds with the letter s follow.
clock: 2h59
